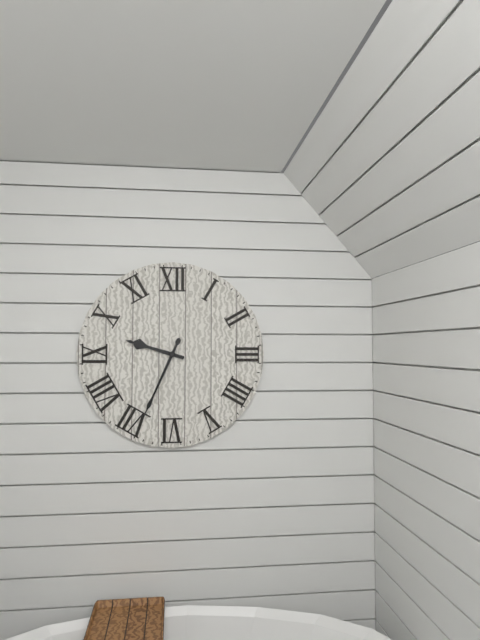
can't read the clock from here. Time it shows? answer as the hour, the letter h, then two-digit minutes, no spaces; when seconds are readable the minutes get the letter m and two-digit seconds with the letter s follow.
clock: 9h34
